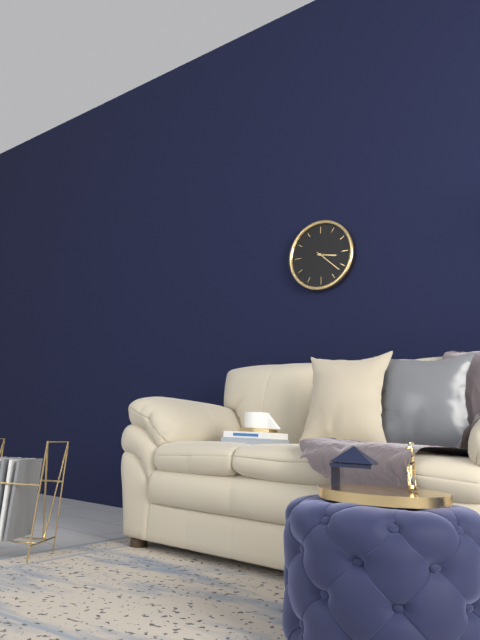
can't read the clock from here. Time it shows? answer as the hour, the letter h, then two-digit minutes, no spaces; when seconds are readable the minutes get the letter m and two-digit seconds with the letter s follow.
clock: 3h22
